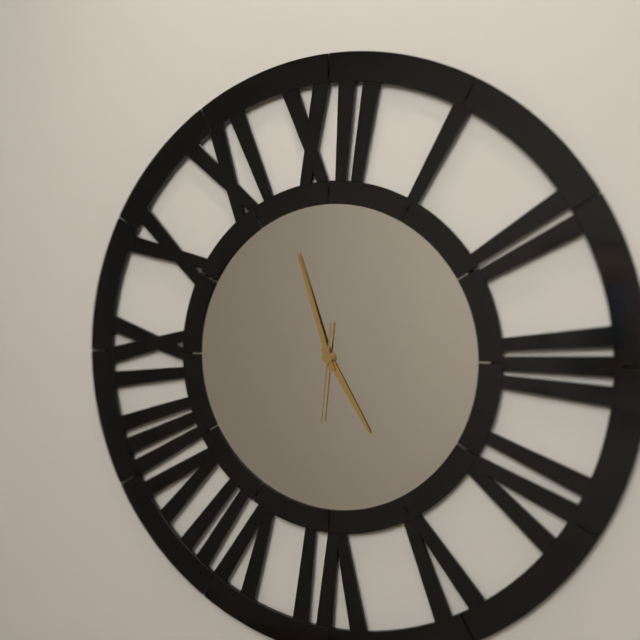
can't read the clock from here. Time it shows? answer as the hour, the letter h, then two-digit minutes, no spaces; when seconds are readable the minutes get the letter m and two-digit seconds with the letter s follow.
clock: 4h57m31s
